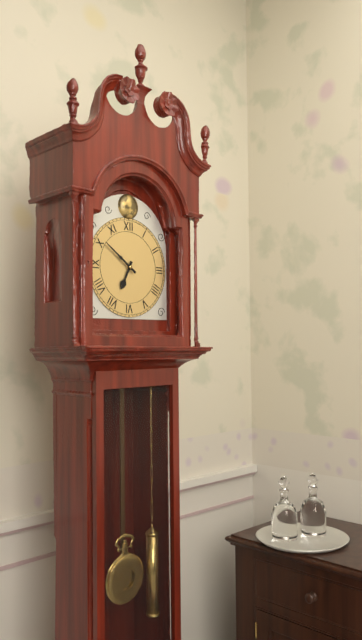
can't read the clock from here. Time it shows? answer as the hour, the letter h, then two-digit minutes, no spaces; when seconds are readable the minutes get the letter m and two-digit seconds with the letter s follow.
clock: 6h51
